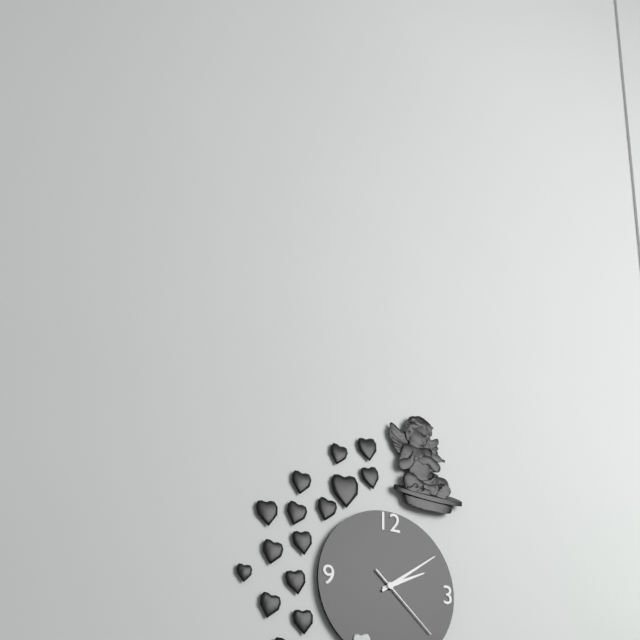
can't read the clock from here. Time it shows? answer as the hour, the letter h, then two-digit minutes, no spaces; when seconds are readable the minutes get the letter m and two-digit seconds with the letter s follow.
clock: 2h09m22s
